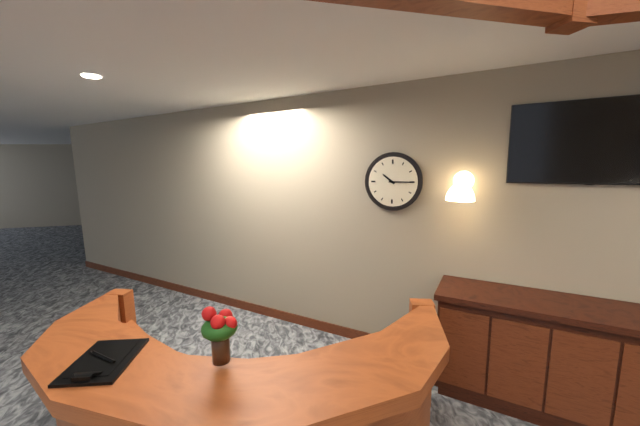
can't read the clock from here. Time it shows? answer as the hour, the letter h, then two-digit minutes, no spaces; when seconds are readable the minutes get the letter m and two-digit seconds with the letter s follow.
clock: 10h15
